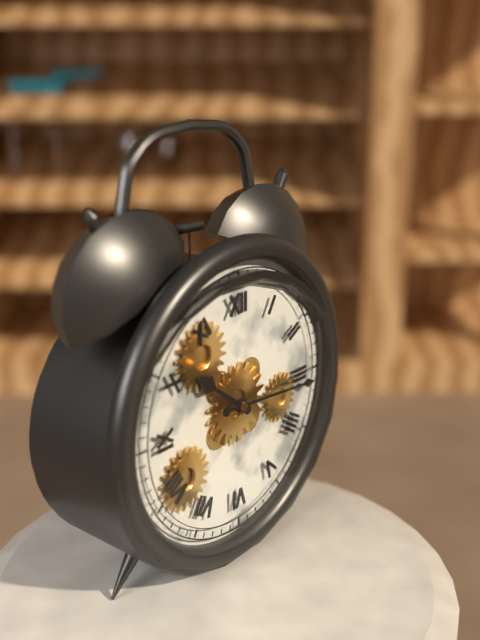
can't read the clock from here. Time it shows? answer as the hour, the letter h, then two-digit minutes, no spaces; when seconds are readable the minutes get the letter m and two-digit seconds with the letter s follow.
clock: 10h16
